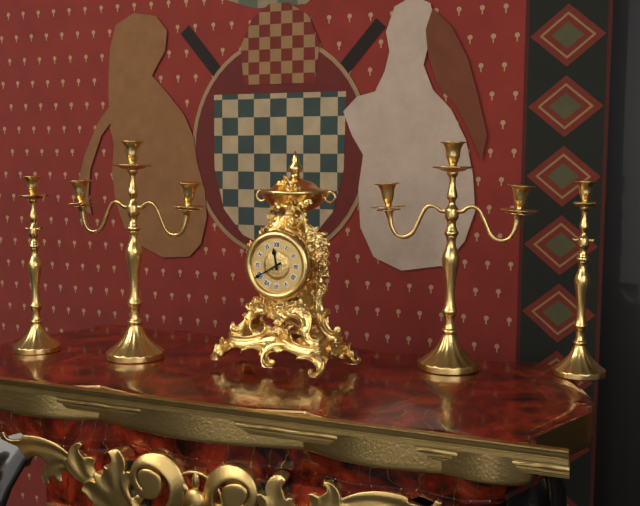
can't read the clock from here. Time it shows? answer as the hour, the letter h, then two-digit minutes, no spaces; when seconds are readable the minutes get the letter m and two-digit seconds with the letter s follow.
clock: 11h40
